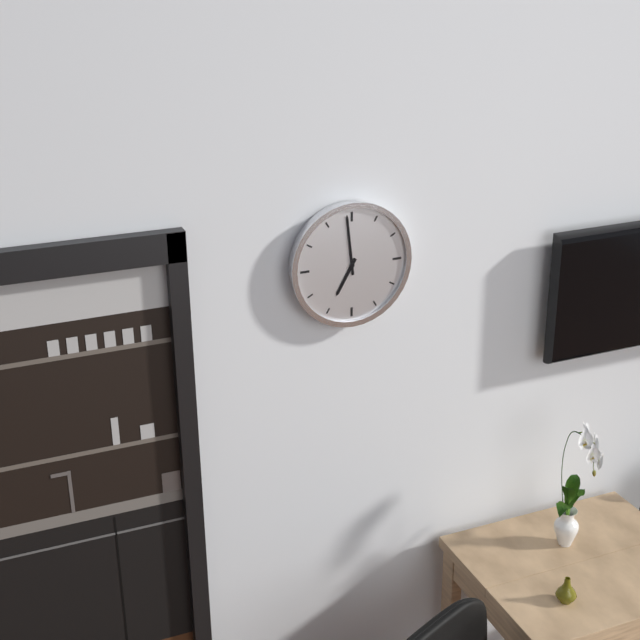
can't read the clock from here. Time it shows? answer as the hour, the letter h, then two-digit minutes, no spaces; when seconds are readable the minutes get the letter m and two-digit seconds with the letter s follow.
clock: 6h59
